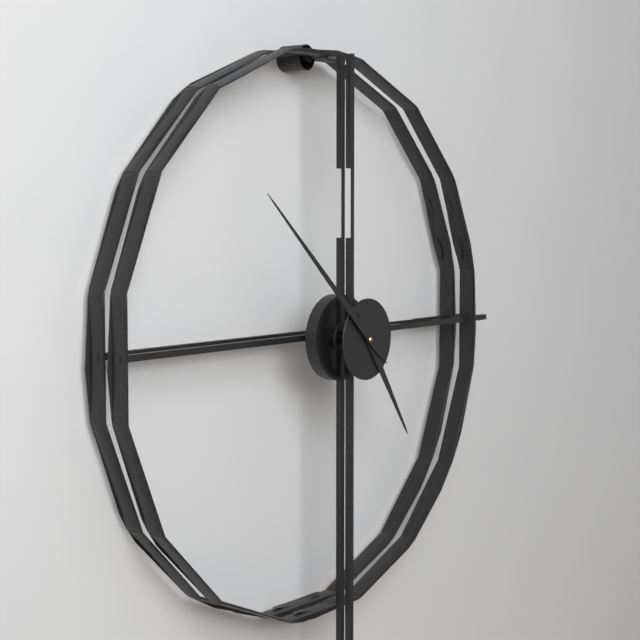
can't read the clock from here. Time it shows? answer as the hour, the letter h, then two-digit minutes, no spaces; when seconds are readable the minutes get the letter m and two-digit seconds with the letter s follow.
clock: 4h52
